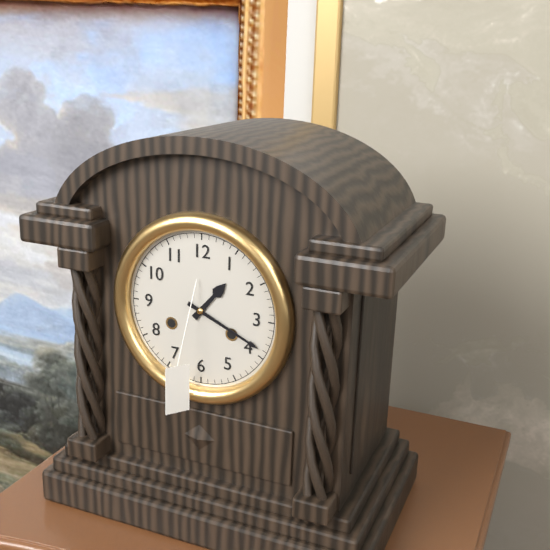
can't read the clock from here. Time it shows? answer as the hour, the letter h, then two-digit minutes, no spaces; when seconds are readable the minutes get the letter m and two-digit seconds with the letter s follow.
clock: 1h19
